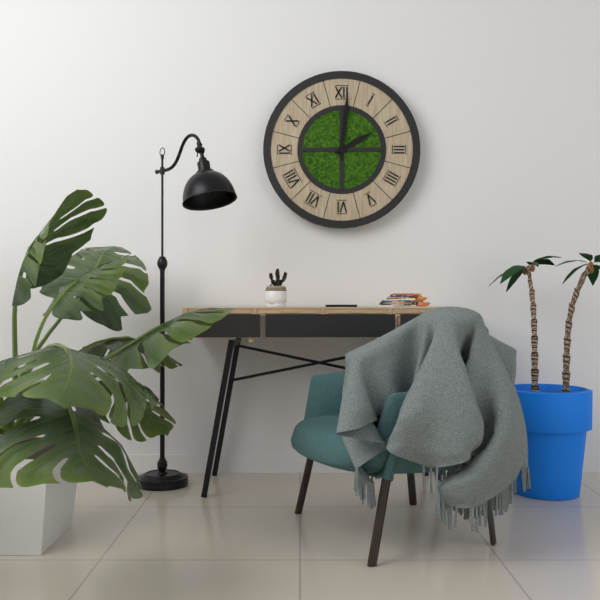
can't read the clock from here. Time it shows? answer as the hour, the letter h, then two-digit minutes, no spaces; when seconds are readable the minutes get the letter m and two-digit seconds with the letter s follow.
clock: 2h01
